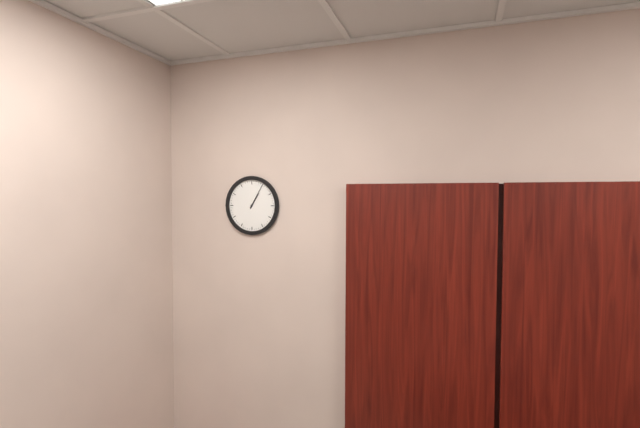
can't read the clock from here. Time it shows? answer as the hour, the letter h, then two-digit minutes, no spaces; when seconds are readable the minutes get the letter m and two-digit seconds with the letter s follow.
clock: 1h05
